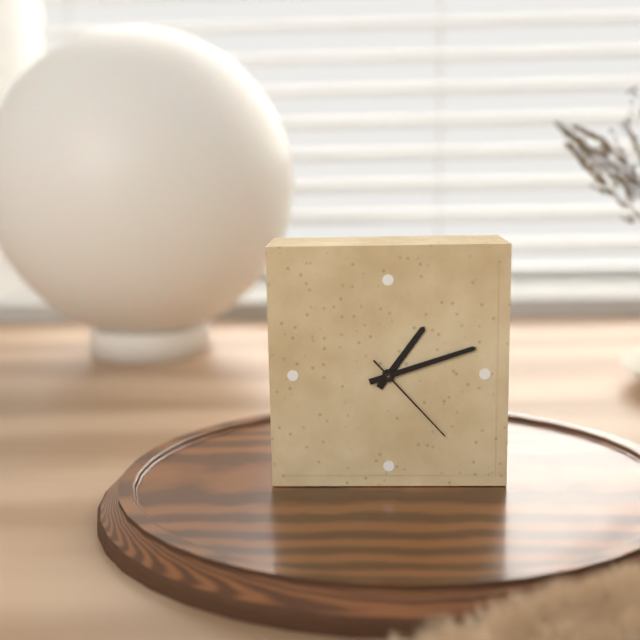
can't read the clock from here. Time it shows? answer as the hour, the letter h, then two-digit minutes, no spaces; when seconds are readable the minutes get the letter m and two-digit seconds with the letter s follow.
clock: 1h12m23s
